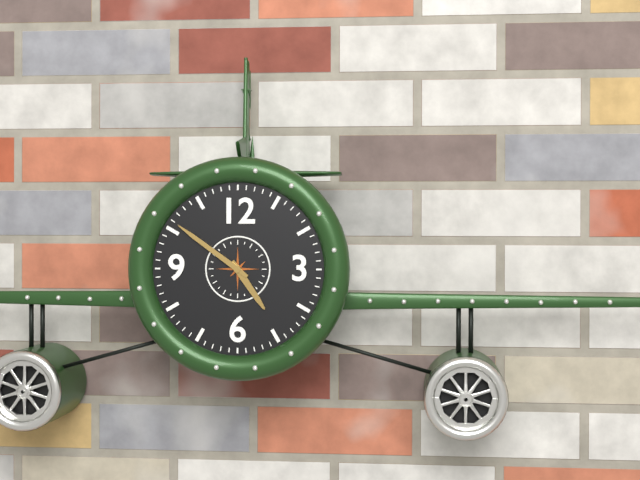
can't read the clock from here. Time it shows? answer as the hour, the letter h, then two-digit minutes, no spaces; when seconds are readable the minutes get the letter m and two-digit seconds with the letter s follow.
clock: 4h51
